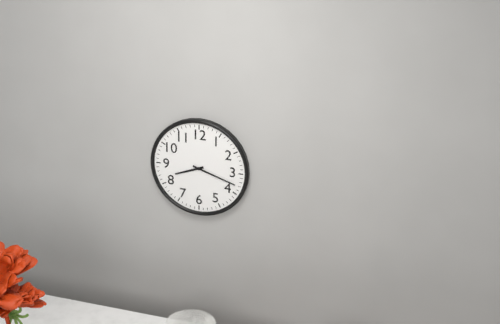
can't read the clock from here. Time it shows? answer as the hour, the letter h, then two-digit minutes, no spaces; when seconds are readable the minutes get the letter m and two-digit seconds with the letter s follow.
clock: 8h18
